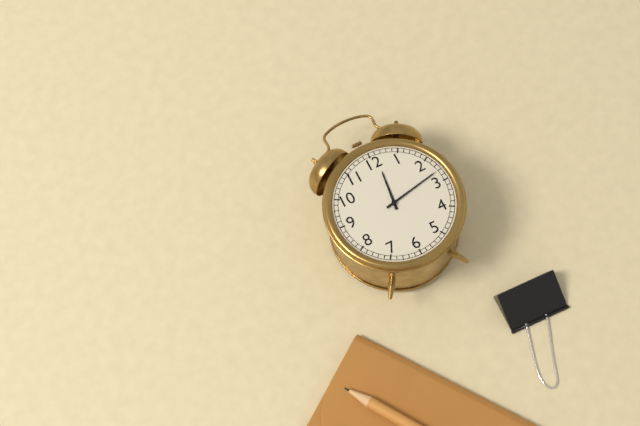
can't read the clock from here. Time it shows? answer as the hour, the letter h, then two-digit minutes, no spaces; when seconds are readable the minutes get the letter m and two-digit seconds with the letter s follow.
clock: 12h13
